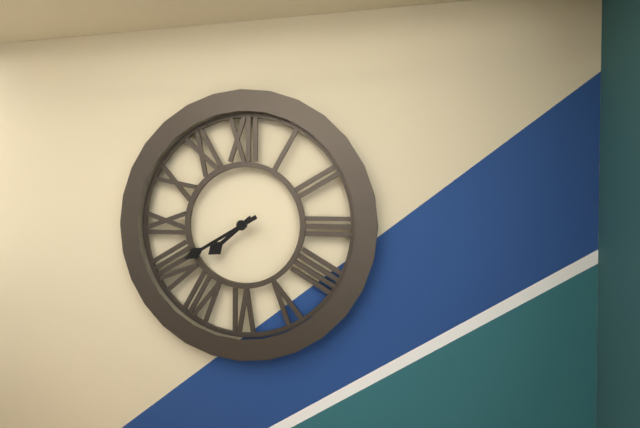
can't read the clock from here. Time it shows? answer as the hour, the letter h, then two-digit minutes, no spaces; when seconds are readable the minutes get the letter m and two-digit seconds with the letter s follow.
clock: 7h40
